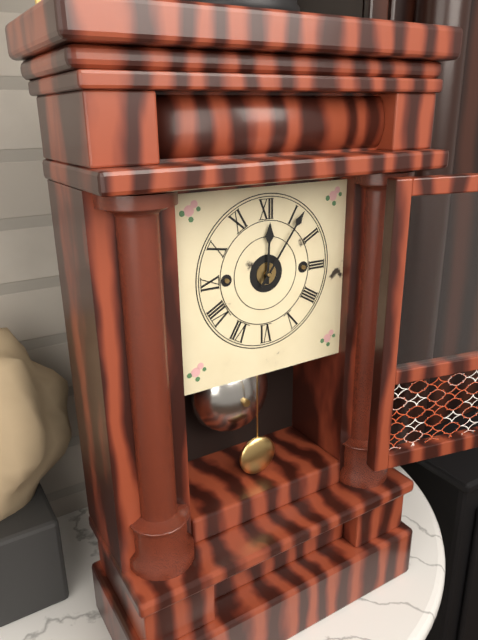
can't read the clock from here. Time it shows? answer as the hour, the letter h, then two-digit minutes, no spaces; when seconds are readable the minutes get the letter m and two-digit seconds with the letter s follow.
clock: 12h06
